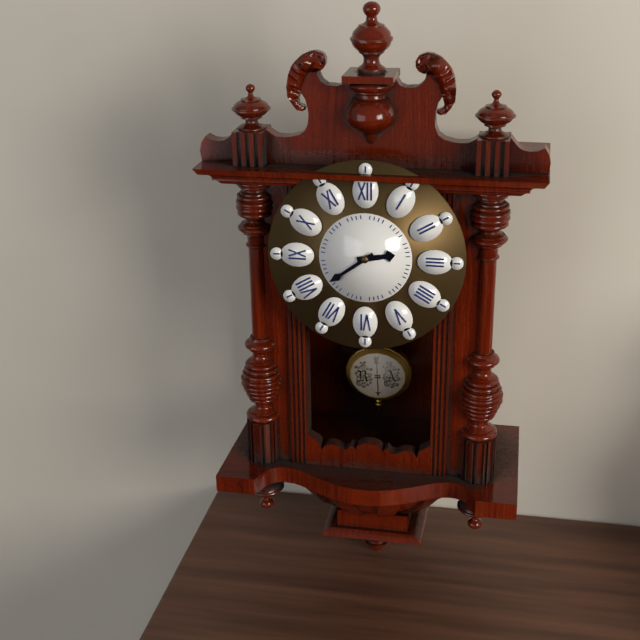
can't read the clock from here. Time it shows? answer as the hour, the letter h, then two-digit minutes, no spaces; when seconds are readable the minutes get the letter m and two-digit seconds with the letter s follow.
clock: 2h39
